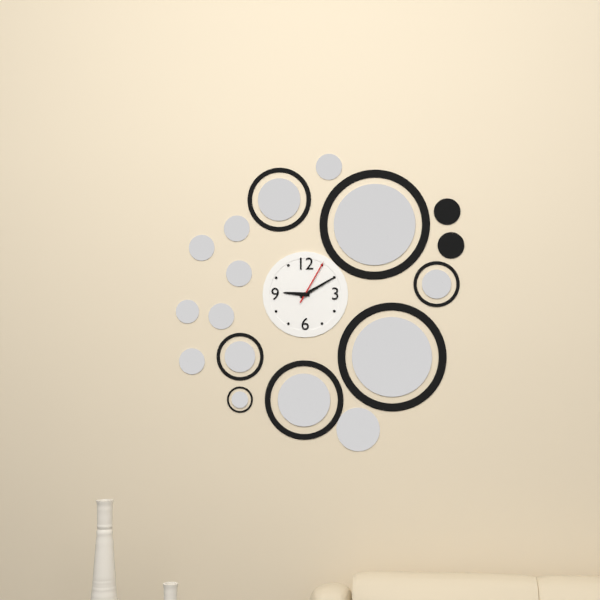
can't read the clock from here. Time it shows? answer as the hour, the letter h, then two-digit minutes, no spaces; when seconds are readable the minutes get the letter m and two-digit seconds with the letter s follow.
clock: 9h10
